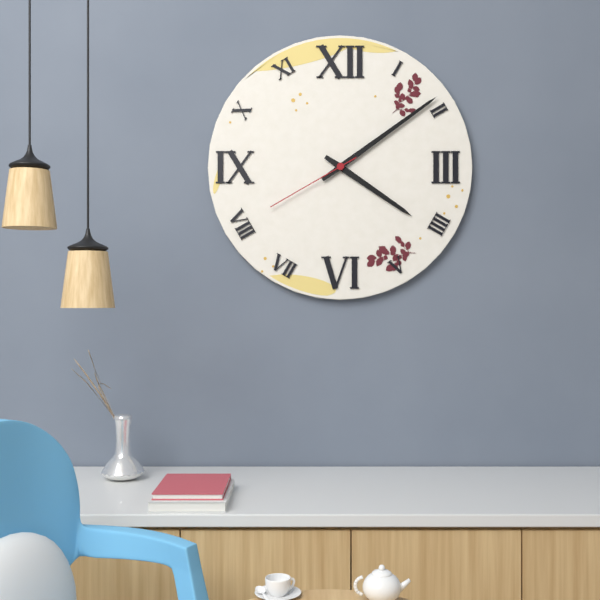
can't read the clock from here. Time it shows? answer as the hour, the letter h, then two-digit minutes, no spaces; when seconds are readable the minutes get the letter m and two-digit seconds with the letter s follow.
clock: 4h09m40s
